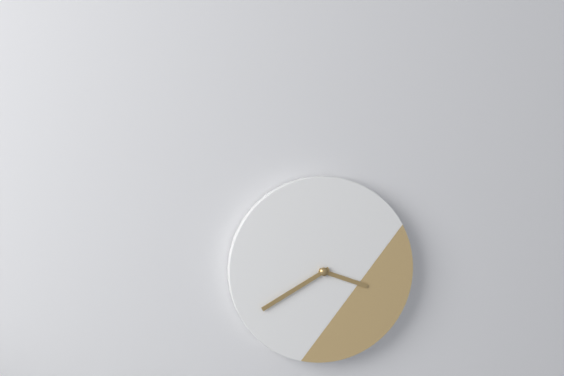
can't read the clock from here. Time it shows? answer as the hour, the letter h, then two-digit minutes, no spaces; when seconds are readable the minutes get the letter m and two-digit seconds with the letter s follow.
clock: 3h40
